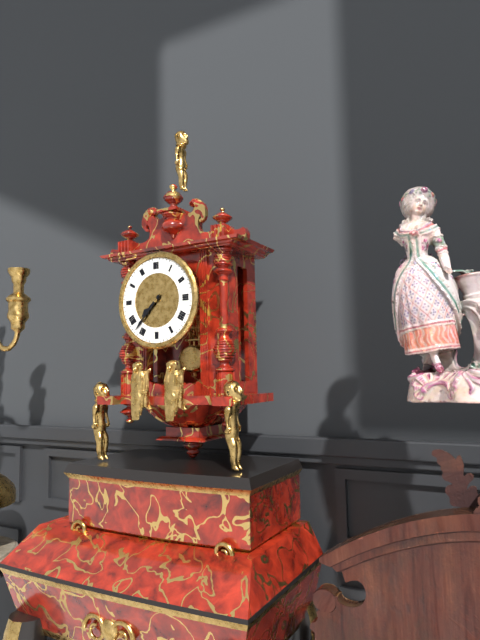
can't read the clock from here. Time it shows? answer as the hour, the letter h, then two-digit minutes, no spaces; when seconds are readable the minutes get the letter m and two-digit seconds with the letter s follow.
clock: 7h37
